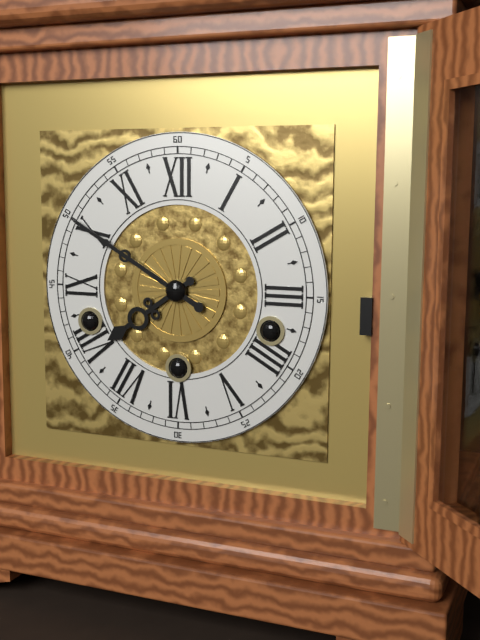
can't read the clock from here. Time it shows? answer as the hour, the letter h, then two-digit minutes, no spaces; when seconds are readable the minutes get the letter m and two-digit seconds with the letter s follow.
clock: 7h50
